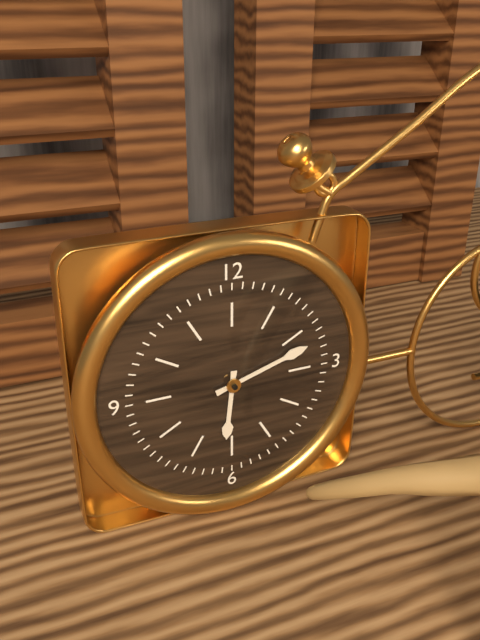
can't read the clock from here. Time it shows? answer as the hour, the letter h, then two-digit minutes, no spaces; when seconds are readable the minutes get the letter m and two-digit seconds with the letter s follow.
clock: 6h12
